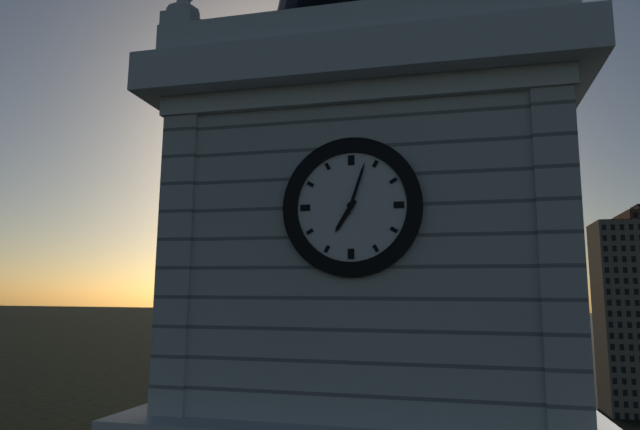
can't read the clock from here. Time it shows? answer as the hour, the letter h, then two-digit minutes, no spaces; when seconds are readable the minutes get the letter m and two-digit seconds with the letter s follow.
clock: 7h03
